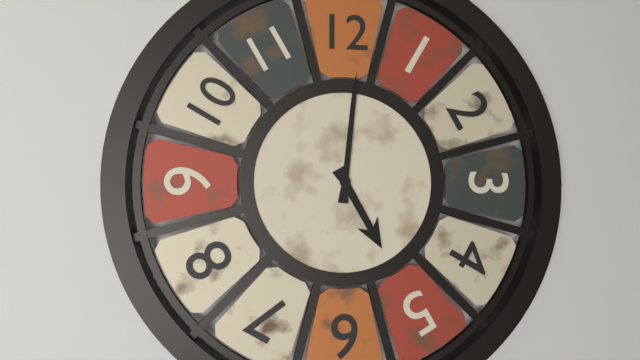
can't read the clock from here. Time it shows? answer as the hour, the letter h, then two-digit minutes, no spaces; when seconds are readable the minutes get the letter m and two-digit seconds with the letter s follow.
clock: 5h01
